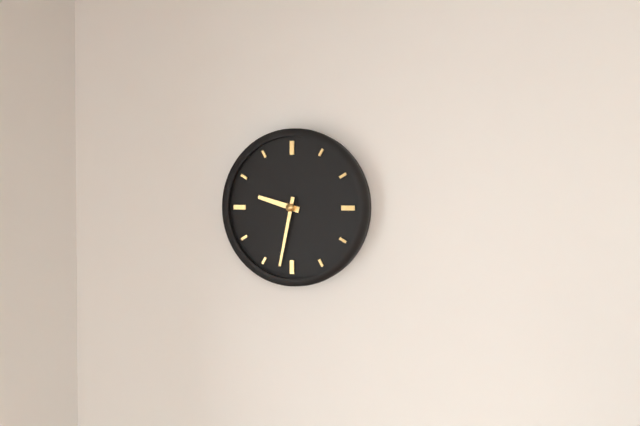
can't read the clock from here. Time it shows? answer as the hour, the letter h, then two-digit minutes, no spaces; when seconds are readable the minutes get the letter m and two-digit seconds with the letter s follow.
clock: 9h32
